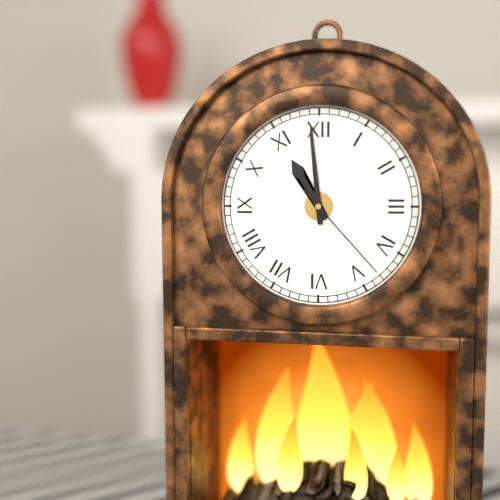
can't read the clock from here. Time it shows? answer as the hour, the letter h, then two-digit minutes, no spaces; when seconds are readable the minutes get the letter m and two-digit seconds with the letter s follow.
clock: 10h59m23s
